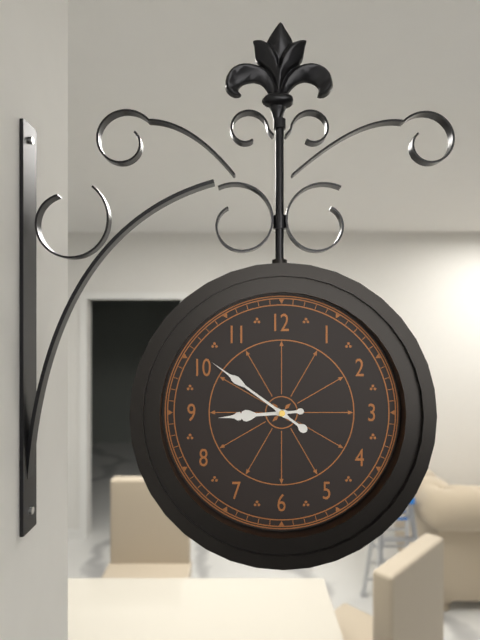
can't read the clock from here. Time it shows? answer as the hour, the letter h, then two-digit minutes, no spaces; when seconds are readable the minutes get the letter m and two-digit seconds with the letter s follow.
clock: 8h51
